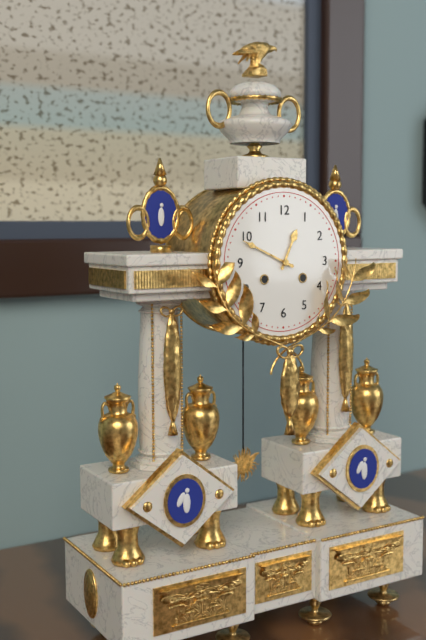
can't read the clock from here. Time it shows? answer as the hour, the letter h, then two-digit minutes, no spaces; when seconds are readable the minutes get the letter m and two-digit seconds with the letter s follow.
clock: 12h49
